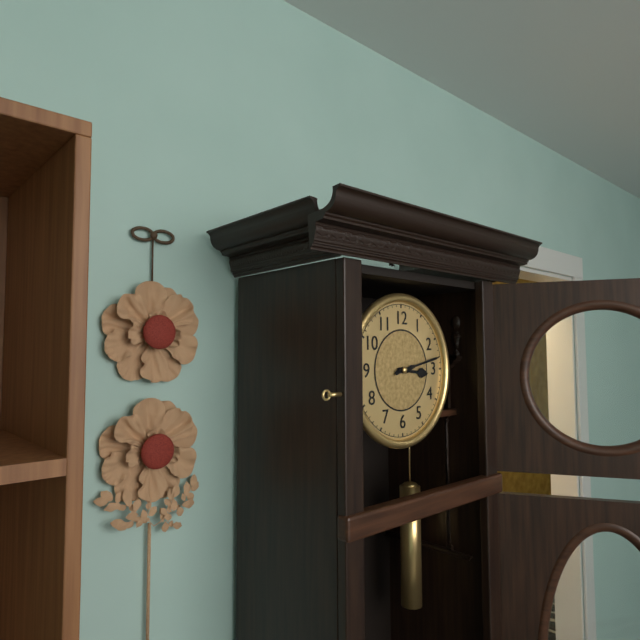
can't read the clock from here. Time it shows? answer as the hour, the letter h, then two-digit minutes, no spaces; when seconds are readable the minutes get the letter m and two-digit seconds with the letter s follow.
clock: 3h13
